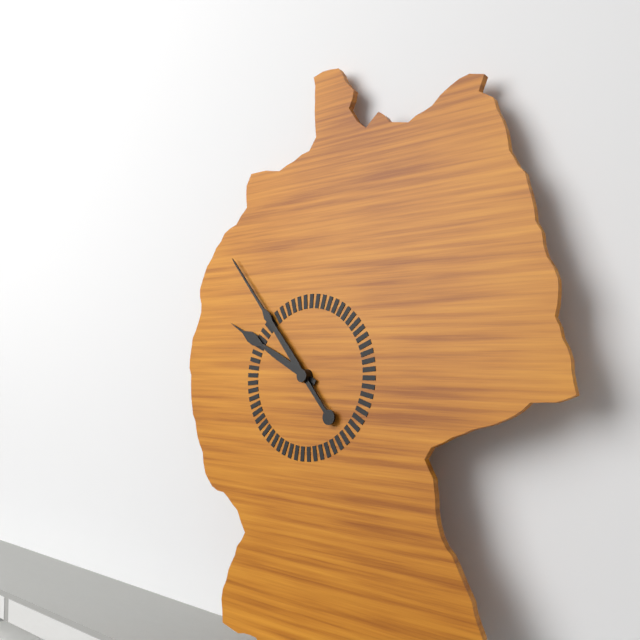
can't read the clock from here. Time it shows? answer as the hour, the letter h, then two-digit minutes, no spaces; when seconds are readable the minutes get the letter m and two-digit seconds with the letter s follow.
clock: 9h53
